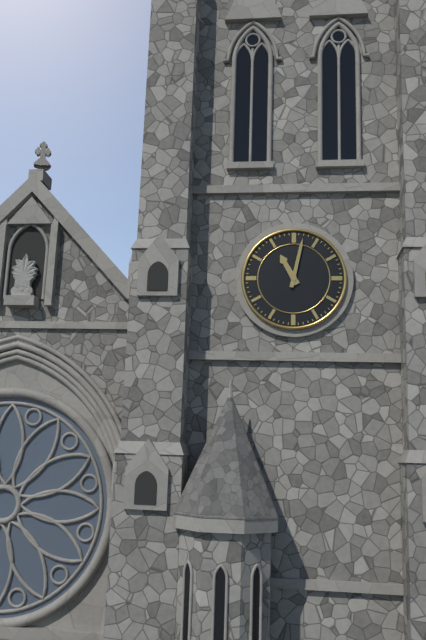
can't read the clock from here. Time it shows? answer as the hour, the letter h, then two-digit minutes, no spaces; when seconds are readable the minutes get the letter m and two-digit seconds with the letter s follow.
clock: 11h02
